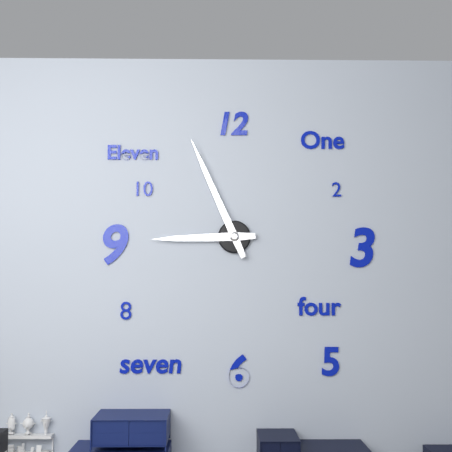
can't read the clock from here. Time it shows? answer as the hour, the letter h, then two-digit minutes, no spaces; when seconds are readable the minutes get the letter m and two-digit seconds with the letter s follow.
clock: 8h56
